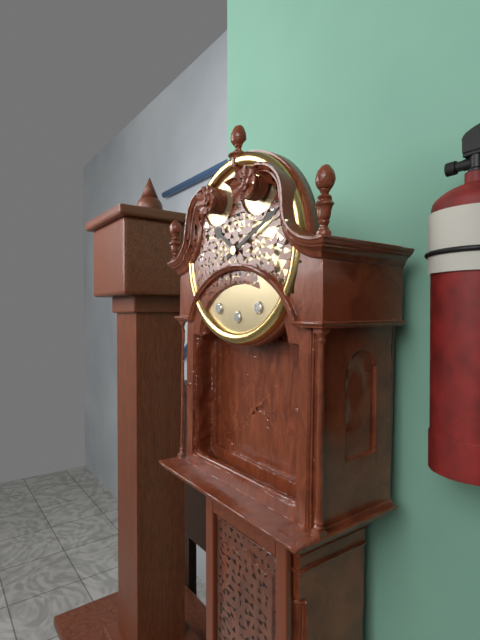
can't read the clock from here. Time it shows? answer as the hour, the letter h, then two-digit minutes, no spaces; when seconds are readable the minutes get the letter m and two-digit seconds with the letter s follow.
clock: 10h11
